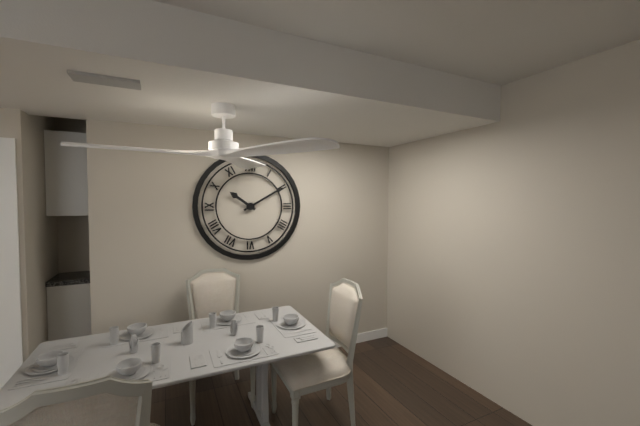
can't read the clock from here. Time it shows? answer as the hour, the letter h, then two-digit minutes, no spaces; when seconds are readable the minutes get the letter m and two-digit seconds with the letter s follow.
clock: 10h10
